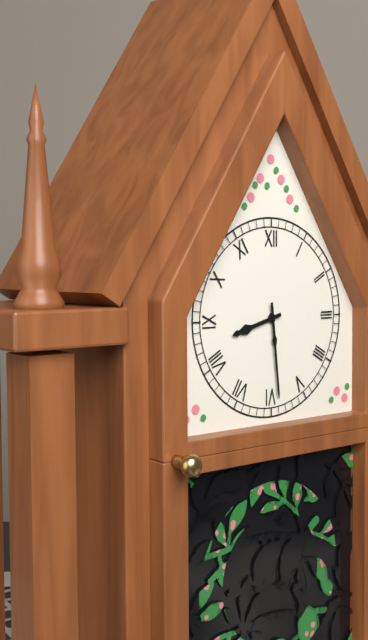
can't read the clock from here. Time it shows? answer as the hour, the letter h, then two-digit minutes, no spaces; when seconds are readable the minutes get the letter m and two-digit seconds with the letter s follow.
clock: 8h29
